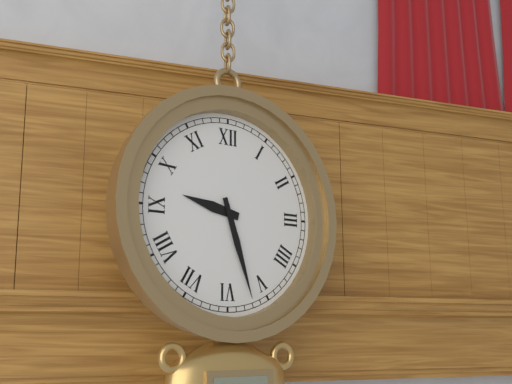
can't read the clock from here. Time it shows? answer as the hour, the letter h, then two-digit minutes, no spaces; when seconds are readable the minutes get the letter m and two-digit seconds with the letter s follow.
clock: 9h27
